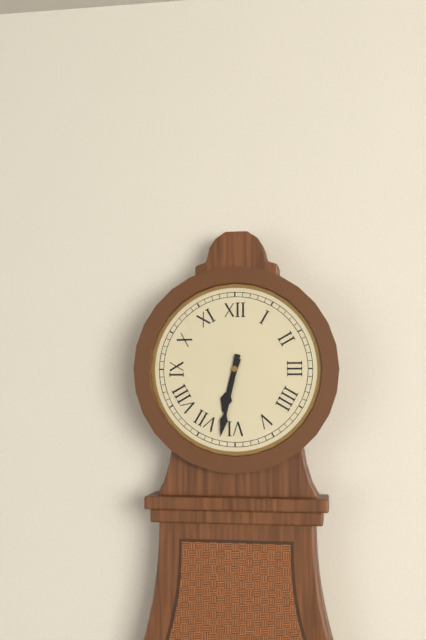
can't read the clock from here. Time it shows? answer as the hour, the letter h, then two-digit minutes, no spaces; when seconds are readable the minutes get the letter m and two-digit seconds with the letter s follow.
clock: 6h32
